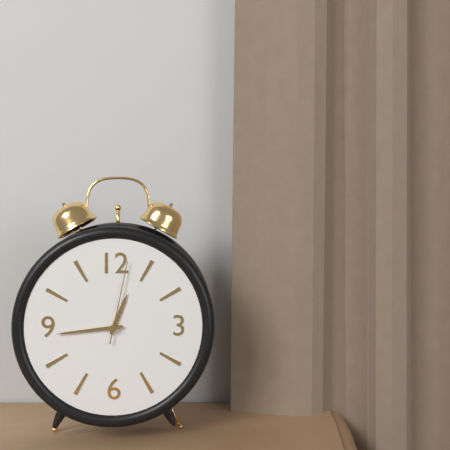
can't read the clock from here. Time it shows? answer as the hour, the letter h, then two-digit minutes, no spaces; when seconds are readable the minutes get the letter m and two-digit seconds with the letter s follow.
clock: 12h44m02s
